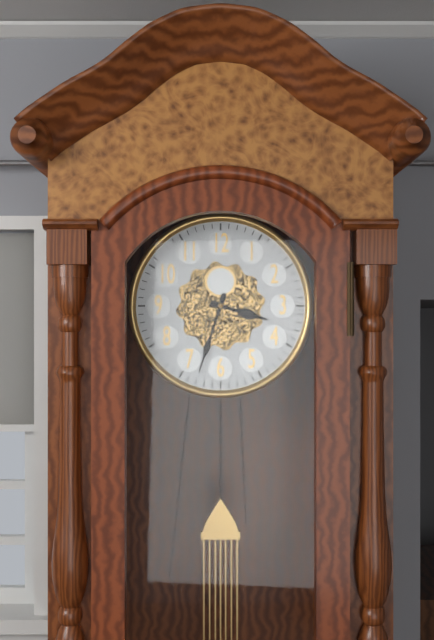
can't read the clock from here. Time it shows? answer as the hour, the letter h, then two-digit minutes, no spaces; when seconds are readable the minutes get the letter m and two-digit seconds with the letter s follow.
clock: 3h33
